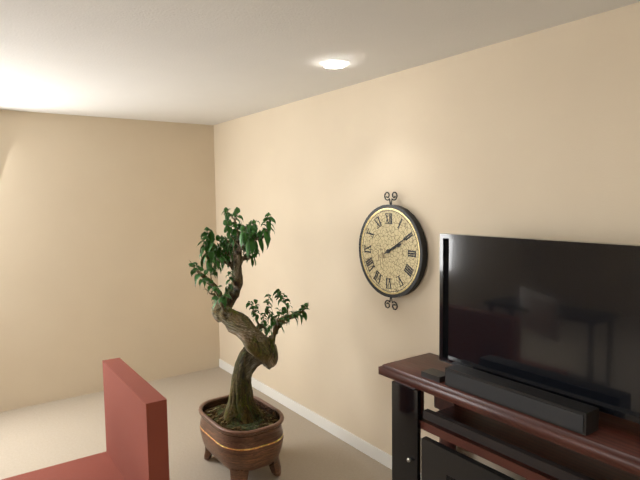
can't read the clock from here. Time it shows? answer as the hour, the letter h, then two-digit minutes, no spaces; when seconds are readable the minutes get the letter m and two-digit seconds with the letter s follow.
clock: 2h10
